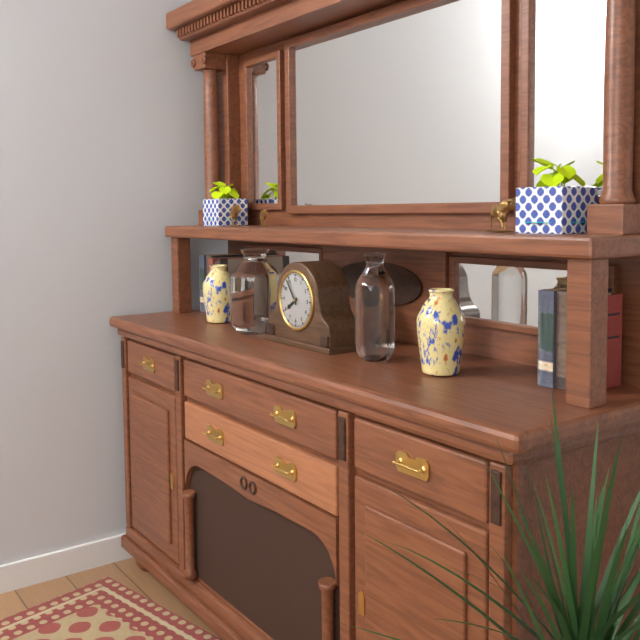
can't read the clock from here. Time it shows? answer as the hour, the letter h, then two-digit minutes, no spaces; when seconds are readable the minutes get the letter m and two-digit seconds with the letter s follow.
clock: 7h54
